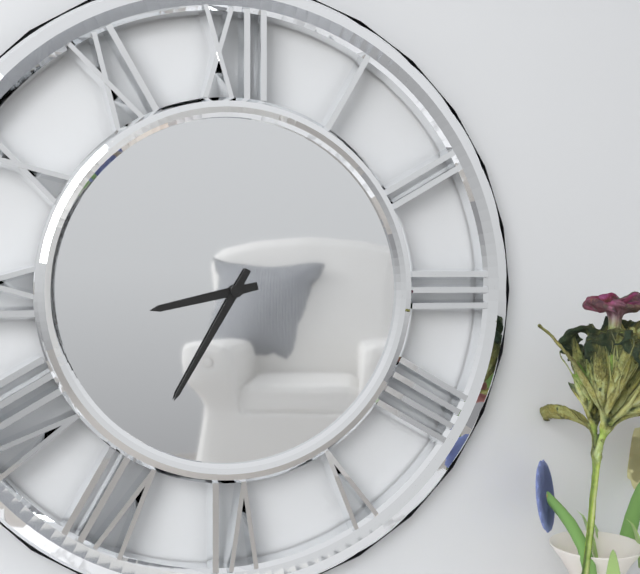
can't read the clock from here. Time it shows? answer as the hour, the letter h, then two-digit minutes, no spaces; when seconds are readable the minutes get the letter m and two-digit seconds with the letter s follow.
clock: 8h35
